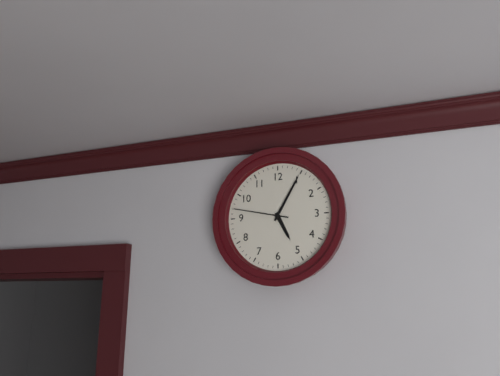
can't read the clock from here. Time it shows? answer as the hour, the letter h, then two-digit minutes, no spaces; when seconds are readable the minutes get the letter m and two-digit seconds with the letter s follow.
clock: 5h05m47s
